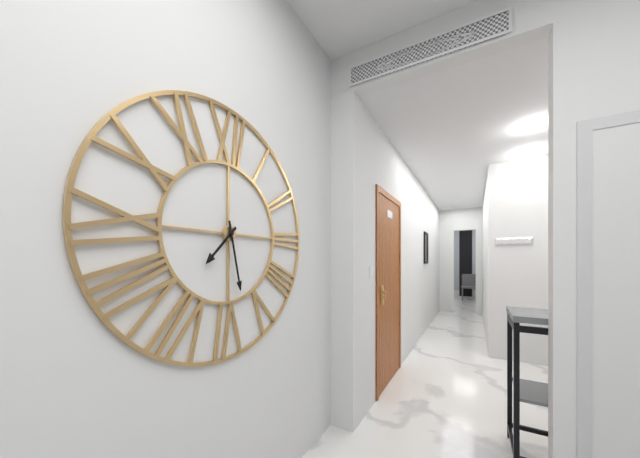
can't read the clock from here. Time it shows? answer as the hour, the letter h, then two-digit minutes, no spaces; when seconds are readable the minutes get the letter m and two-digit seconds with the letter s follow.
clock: 7h28
